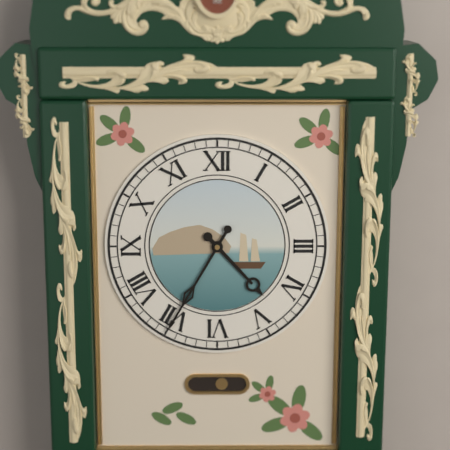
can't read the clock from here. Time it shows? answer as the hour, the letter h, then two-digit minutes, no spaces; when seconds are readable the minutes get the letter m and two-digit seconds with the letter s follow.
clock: 4h35
